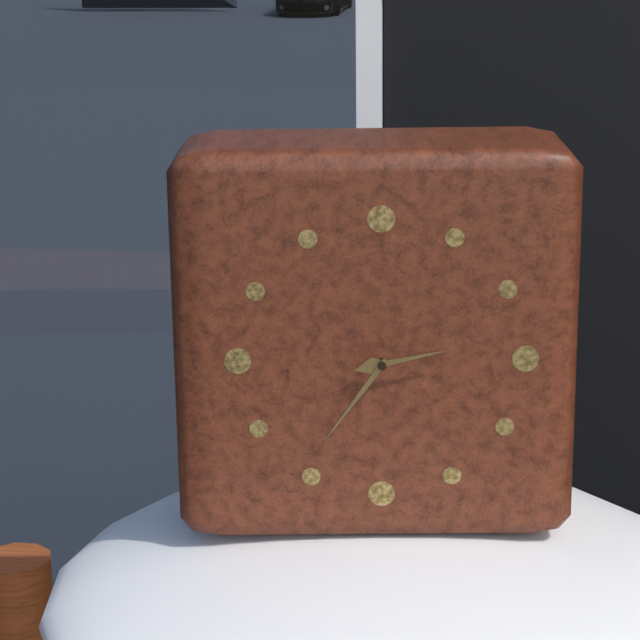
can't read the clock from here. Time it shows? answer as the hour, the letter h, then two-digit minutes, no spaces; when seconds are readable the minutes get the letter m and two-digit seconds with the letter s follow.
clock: 2h36
